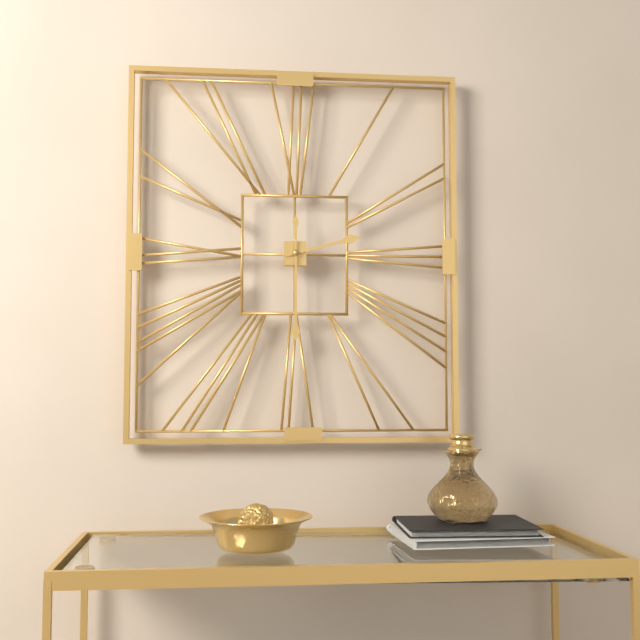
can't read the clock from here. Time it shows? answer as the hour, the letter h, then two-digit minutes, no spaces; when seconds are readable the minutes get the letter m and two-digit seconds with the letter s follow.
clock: 2h30
